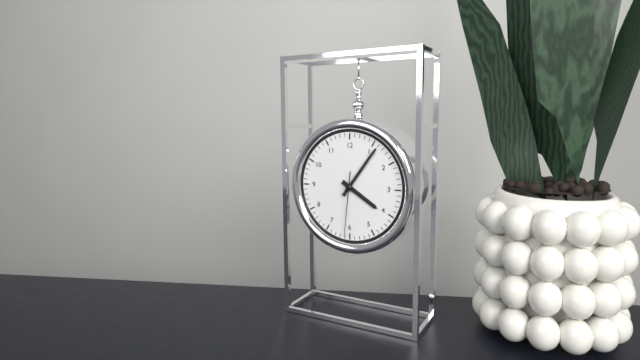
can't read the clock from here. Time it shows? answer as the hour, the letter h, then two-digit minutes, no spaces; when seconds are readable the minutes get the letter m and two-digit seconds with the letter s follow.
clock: 4h06m31s
